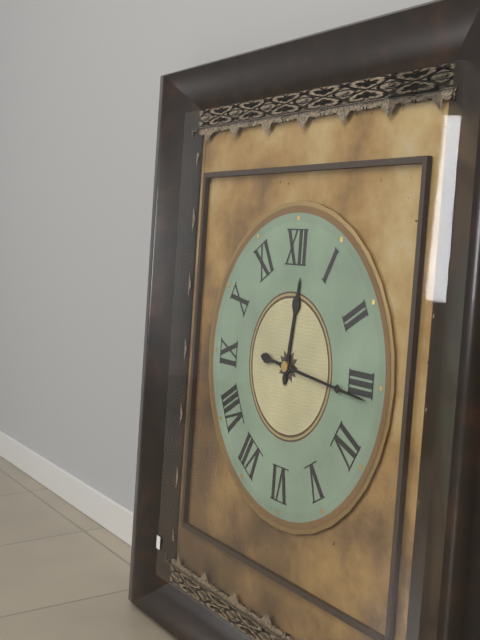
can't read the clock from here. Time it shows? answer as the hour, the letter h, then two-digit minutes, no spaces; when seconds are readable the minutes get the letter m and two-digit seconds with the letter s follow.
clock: 12h16
